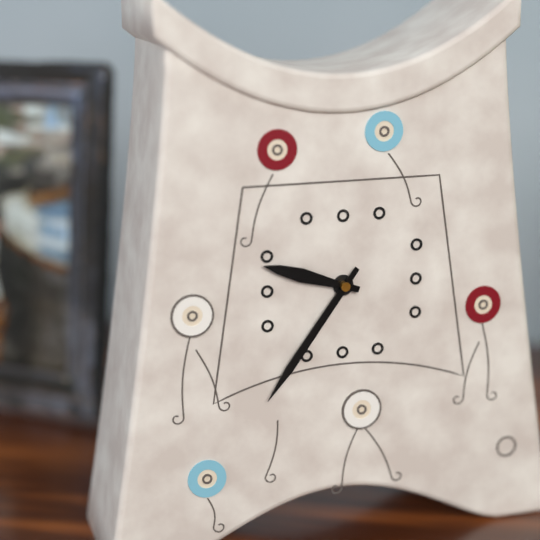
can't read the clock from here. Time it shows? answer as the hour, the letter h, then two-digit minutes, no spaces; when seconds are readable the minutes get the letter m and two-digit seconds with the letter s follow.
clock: 9h36
